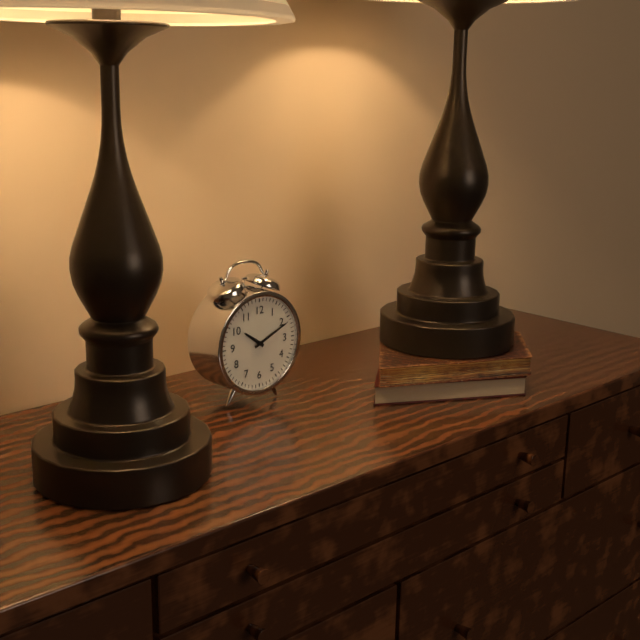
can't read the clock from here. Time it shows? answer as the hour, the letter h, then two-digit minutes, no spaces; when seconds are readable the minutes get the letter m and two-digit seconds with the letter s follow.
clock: 10h11
